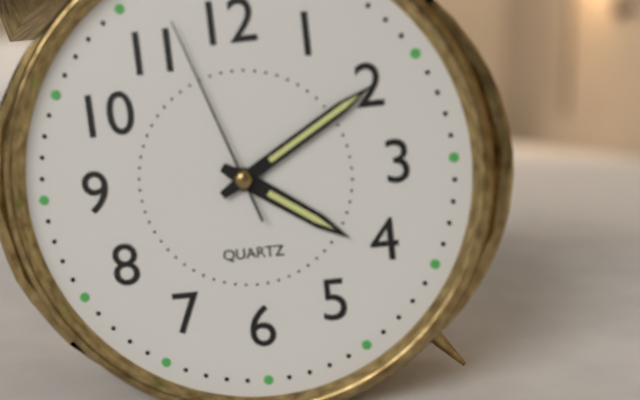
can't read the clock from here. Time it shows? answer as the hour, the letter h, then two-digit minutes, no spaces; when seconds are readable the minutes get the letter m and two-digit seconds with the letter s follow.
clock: 4h10m57s
